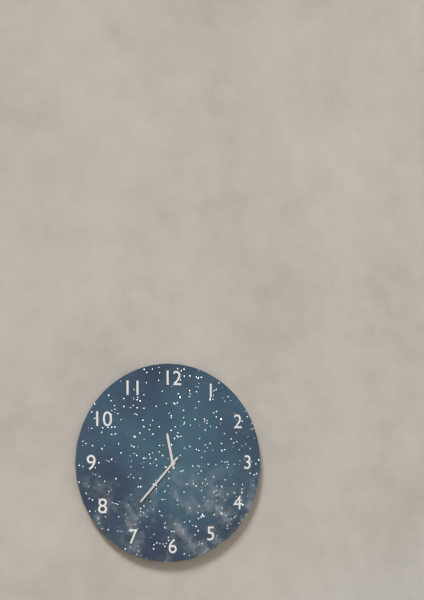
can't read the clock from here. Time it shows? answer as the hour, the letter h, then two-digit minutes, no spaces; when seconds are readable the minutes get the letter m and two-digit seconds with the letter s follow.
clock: 11h37
